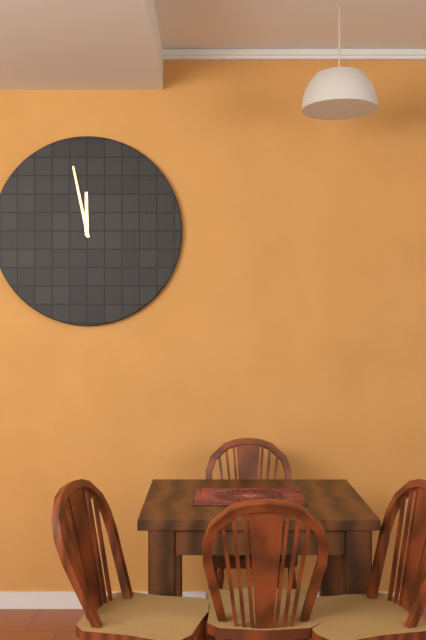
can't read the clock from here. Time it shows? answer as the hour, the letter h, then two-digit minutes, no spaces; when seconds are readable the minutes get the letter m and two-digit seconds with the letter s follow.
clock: 11h58
